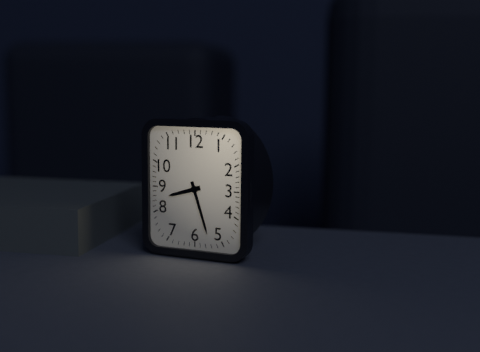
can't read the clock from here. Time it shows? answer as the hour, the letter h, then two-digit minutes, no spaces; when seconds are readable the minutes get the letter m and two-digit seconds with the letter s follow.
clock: 8h27
